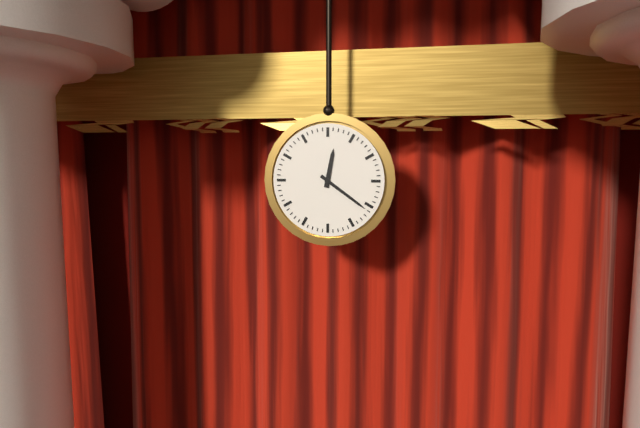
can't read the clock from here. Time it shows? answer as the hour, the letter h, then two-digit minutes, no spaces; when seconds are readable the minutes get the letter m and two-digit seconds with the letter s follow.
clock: 12h21
